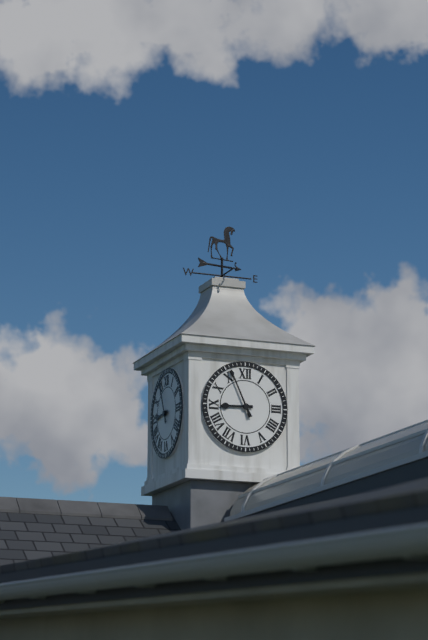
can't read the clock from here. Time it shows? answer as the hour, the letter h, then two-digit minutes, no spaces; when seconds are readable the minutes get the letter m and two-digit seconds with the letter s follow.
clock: 8h56
